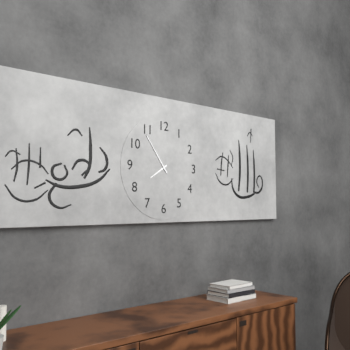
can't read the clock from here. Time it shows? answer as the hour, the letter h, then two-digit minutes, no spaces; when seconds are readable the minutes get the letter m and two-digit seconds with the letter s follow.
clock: 7h54
